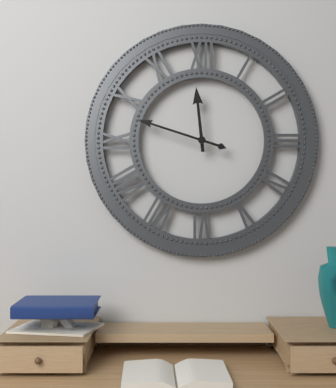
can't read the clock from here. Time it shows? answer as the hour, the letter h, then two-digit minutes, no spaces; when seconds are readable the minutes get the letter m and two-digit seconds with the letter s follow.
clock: 11h48
